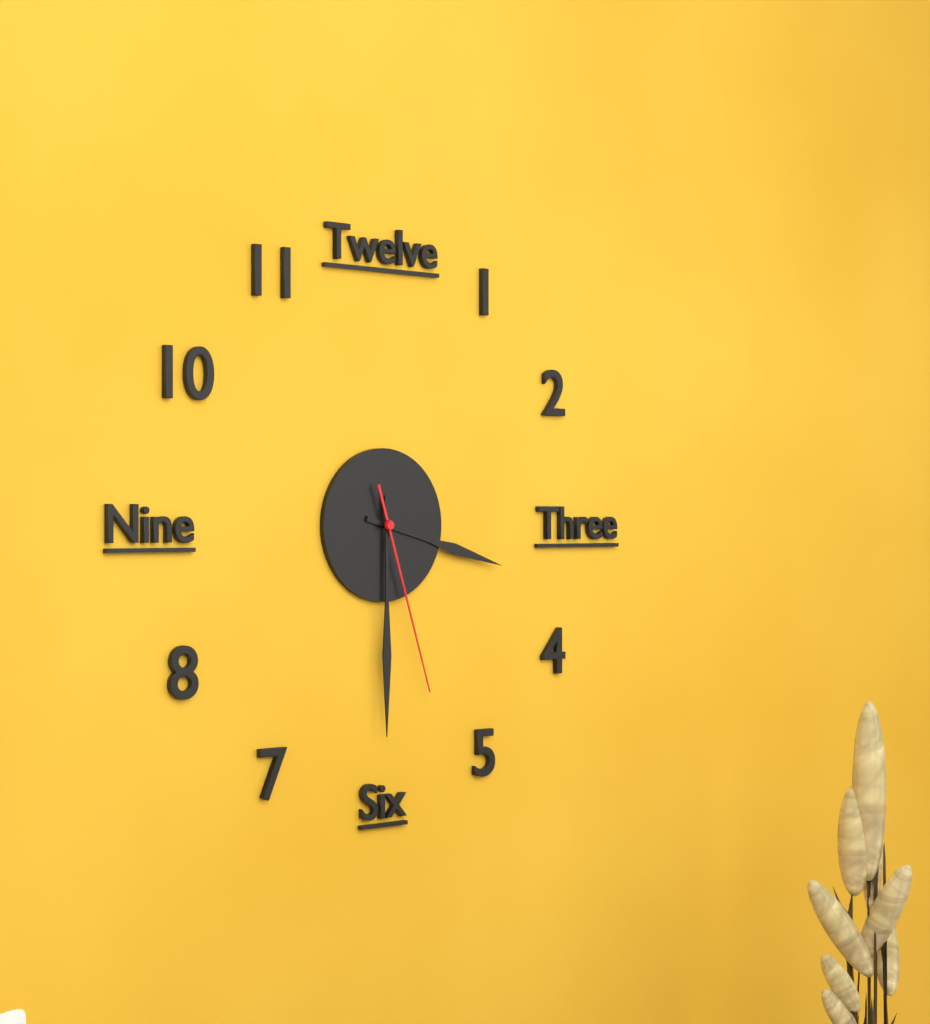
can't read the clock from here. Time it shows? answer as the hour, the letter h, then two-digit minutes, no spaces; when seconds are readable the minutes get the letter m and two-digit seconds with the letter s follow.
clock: 3h30m27s
